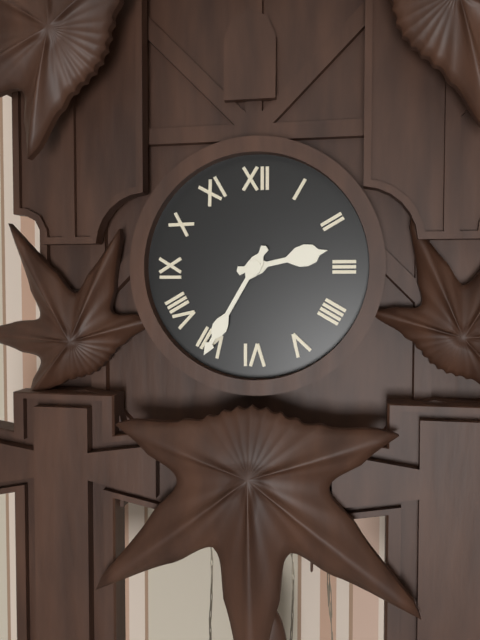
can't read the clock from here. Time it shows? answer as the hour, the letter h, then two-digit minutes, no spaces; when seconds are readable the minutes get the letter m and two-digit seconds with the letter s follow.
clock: 2h35
